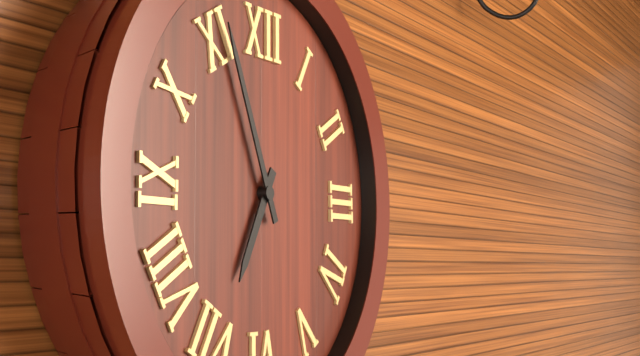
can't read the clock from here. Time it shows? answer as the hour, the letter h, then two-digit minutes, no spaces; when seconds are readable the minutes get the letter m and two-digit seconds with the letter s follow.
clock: 6h56
